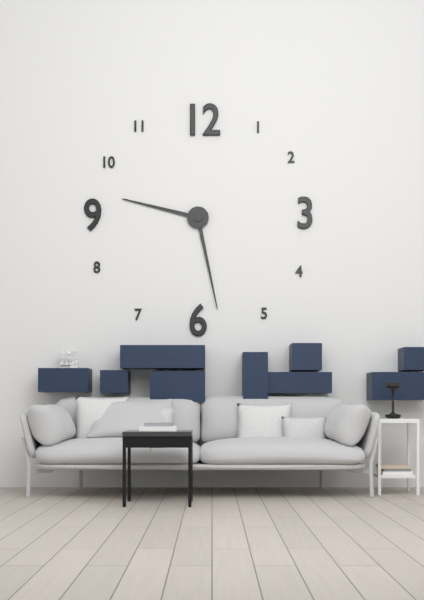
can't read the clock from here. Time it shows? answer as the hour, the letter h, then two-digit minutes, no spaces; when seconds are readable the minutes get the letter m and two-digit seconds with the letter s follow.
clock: 9h28
